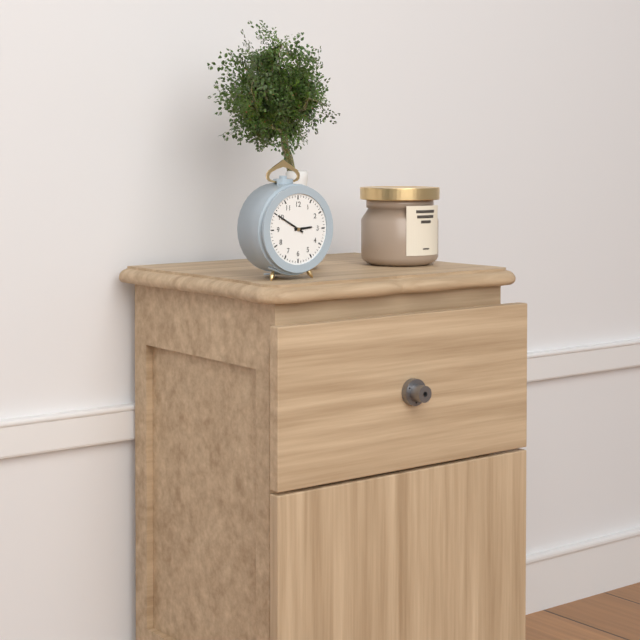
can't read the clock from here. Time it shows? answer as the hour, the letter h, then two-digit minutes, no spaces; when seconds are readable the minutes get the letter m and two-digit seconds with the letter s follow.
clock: 2h50
